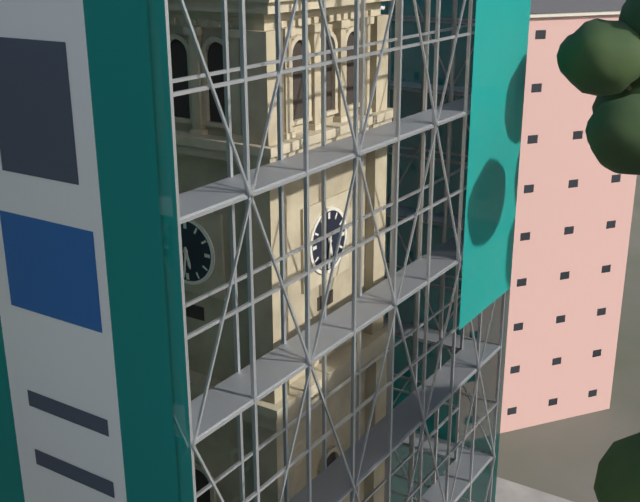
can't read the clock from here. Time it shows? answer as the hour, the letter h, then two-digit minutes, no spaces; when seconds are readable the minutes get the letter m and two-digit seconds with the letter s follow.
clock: 5h31
